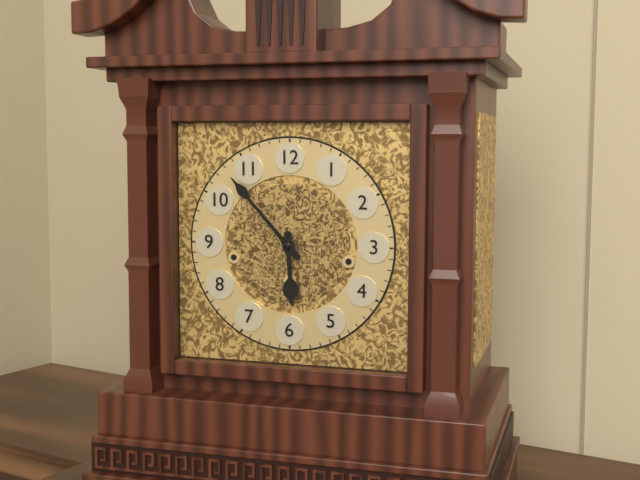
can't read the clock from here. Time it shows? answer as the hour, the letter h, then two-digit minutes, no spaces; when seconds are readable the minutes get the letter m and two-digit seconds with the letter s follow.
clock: 5h53
